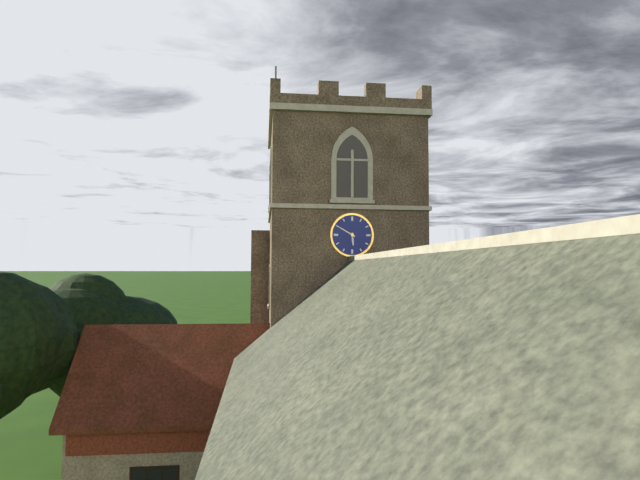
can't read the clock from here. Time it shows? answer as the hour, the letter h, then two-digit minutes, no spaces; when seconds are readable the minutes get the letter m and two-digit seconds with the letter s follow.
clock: 5h50
